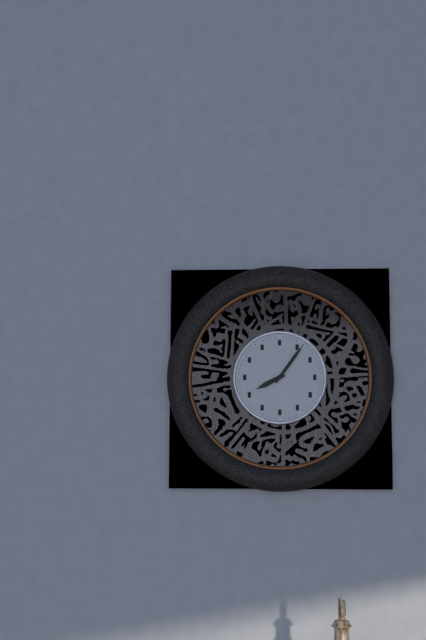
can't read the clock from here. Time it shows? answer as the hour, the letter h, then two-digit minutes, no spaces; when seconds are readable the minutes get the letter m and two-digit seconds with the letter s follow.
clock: 8h06
